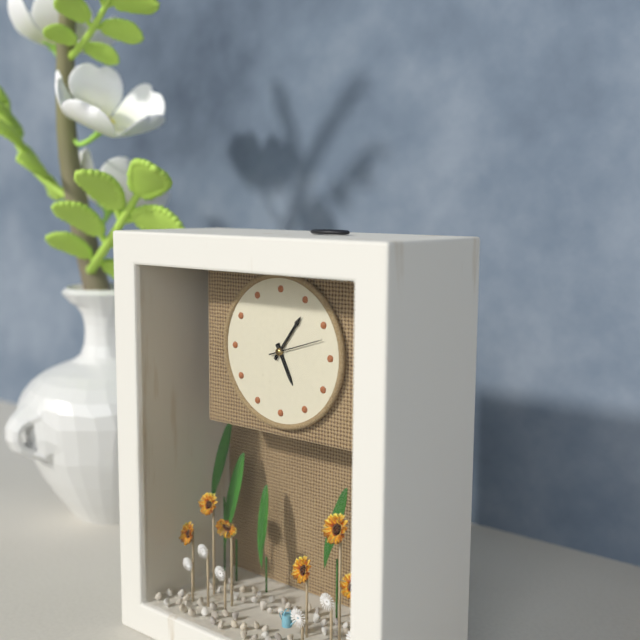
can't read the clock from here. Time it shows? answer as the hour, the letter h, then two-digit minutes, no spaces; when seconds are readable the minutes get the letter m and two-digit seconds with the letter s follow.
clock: 5h06m12s
